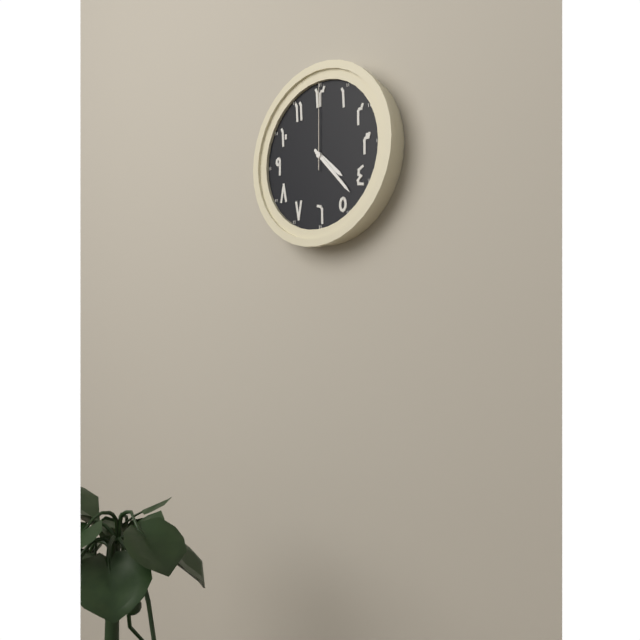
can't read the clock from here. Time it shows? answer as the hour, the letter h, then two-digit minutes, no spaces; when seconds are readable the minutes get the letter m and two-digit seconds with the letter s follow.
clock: 4h23m00s
